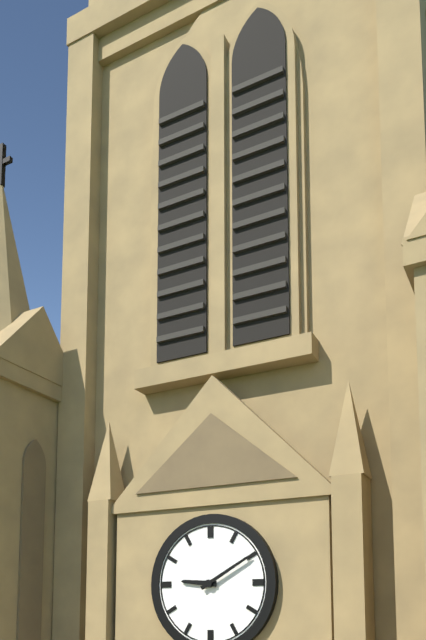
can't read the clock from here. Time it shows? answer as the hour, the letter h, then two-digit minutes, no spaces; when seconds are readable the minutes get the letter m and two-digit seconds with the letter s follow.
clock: 9h10
